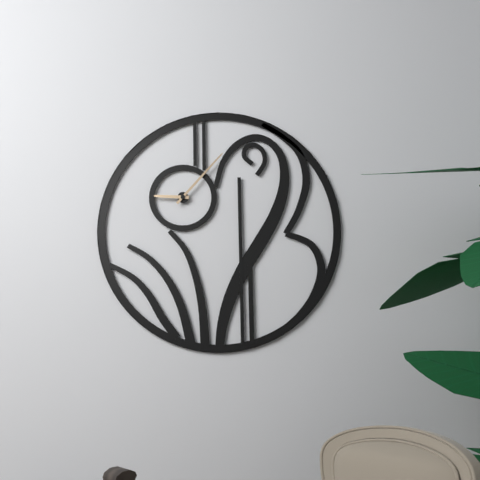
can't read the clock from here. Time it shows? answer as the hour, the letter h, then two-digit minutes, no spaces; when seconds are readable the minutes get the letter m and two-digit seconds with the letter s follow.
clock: 9h07
